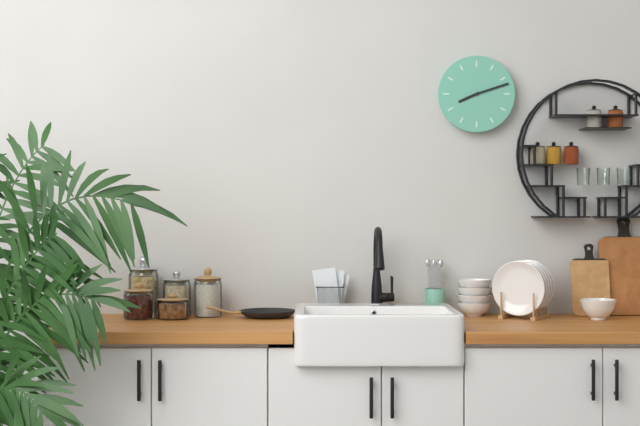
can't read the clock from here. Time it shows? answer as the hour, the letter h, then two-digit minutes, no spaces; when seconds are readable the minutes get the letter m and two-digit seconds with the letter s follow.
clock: 8h12
